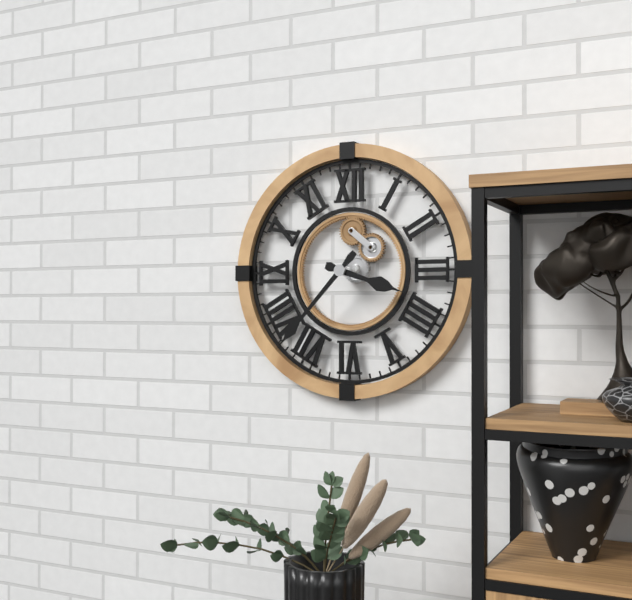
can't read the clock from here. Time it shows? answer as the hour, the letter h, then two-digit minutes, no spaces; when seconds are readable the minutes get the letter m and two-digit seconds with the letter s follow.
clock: 3h37
